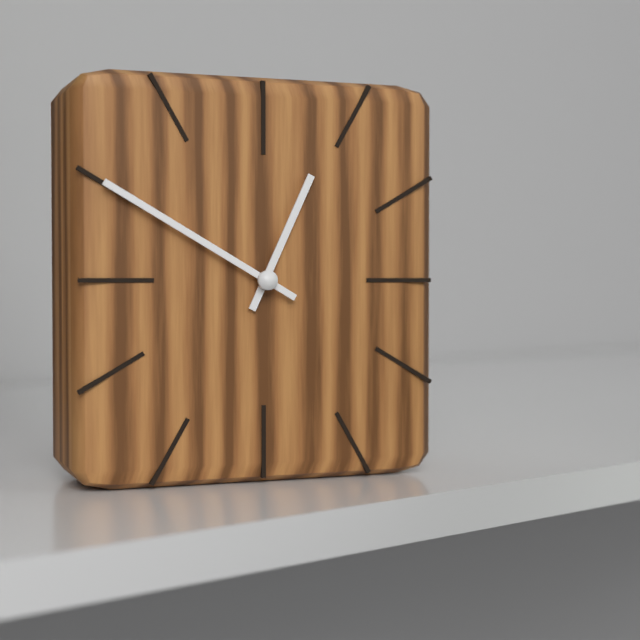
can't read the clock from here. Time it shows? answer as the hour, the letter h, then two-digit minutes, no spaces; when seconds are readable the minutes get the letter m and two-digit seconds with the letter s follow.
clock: 12h50
